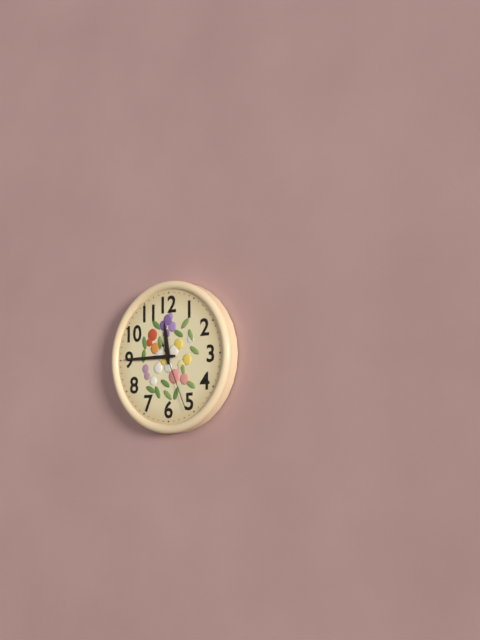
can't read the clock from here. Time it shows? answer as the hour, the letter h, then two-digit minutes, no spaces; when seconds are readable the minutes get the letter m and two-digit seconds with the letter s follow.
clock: 11h45m26s
